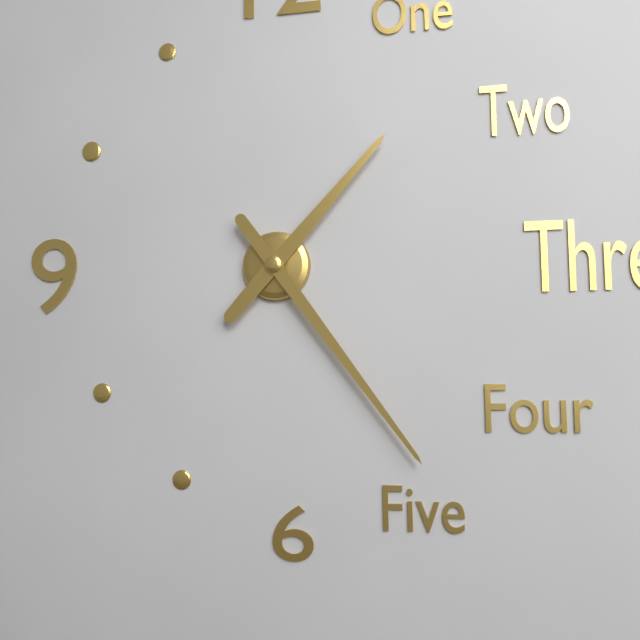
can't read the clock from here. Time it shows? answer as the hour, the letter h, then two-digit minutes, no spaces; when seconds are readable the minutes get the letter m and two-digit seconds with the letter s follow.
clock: 1h24
